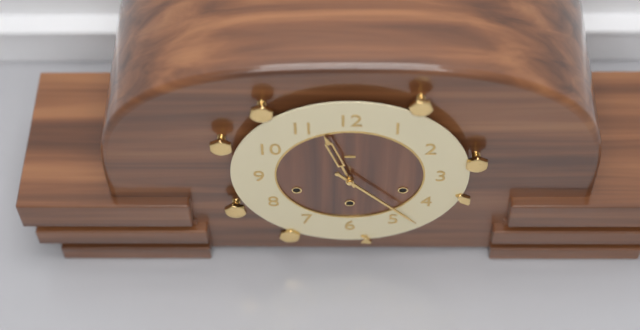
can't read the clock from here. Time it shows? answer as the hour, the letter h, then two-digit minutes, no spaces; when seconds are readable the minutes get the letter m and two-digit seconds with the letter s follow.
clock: 11h23
